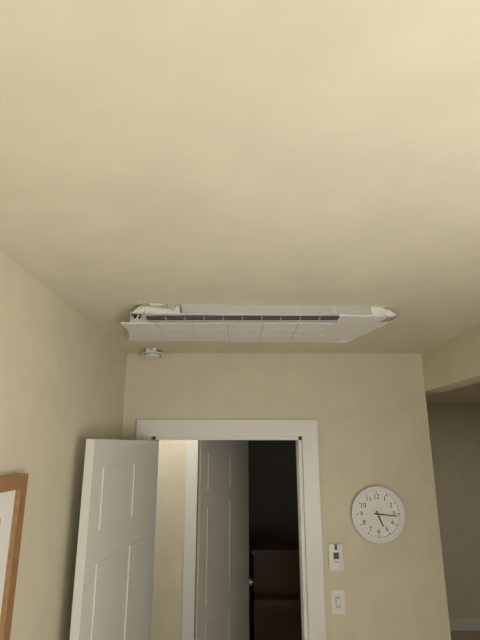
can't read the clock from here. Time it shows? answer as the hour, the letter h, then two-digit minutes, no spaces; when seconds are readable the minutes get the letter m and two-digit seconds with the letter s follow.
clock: 5h16
